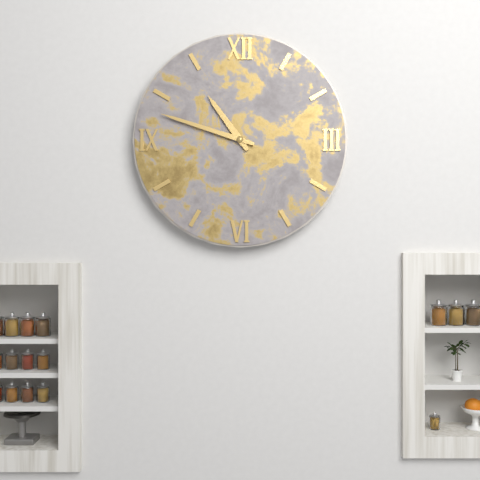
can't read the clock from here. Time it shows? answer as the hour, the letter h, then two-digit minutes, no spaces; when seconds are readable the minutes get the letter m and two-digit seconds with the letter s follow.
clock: 10h48
